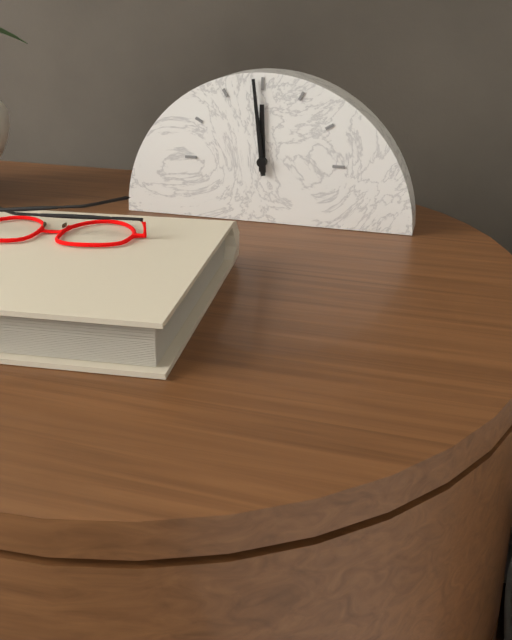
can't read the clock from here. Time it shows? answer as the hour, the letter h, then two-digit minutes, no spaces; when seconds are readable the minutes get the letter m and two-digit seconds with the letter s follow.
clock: 11h59
